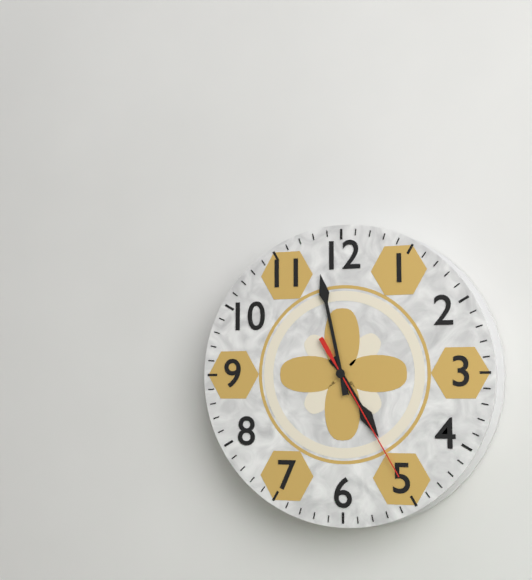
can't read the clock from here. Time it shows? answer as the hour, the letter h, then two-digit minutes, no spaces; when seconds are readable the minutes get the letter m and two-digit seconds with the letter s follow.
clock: 4h58m25s
